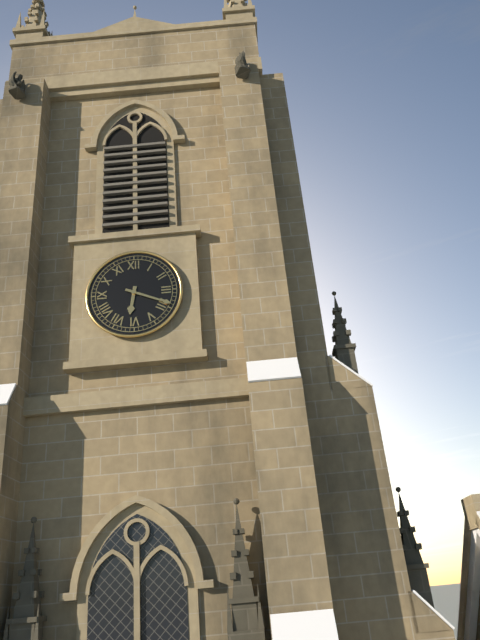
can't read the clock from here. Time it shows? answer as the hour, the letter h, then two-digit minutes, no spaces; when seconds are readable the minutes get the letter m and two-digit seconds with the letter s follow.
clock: 6h19
